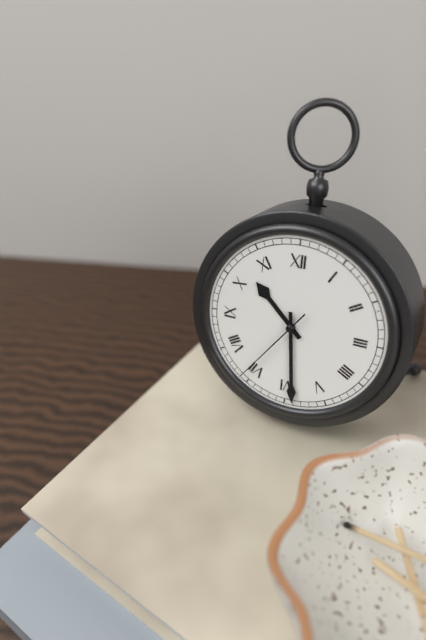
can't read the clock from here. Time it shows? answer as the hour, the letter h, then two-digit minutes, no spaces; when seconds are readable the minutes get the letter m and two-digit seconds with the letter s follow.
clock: 10h29m36s
